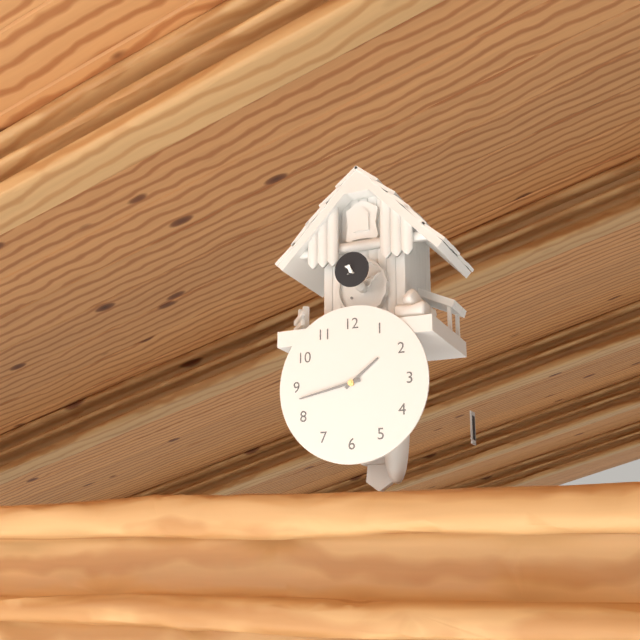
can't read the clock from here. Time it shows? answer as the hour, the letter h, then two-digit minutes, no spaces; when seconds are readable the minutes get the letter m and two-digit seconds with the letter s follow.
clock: 1h43
